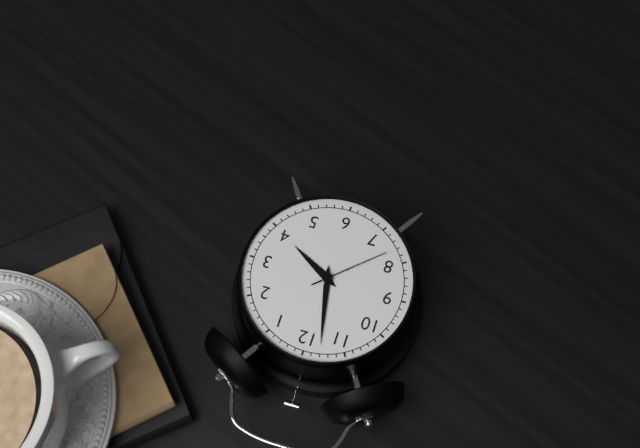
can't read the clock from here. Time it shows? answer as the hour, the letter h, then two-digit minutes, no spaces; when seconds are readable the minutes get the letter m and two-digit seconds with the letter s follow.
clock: 3h58m38s
